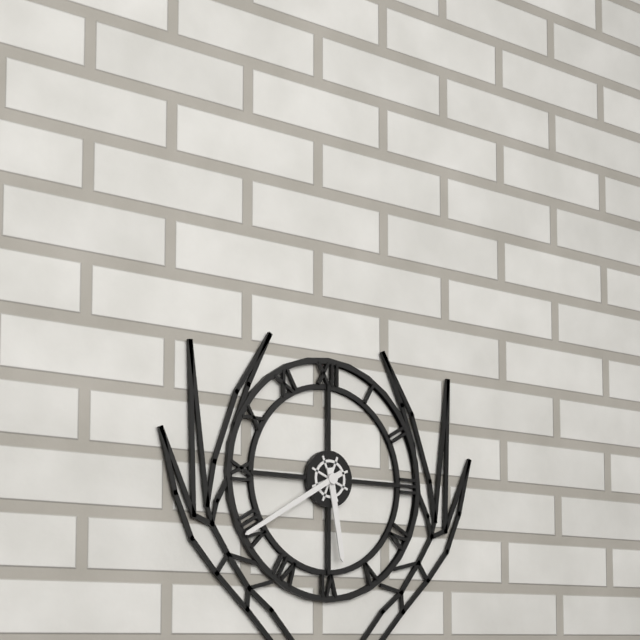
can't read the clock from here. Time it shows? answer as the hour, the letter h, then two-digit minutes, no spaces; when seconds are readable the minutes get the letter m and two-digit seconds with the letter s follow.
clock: 5h40
